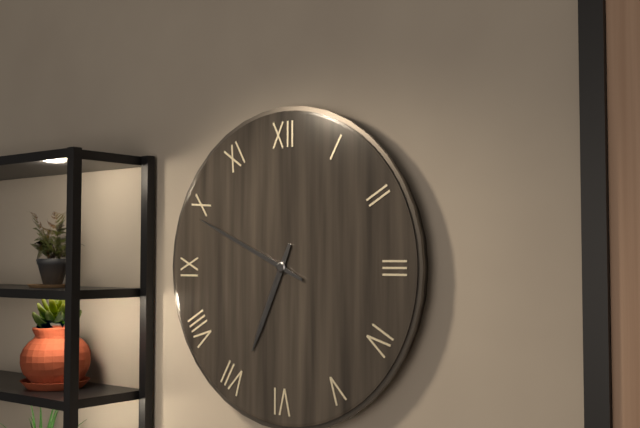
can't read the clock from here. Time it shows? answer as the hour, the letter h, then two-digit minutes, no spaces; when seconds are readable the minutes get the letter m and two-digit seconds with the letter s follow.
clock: 6h49
